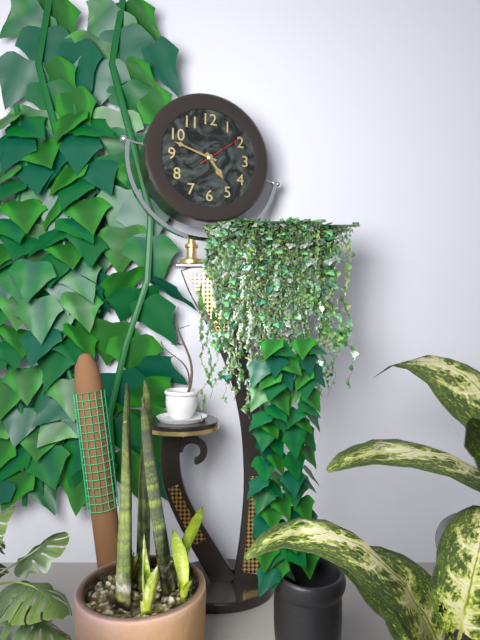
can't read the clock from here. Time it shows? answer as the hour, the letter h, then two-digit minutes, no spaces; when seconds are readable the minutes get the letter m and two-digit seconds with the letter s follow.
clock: 4h48
